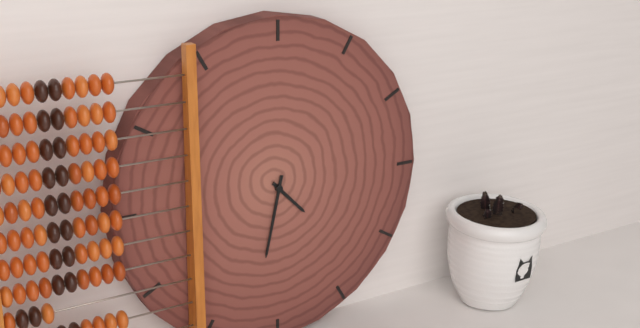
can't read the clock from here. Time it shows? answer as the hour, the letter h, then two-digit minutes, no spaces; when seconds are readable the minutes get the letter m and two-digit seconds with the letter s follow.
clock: 4h32
